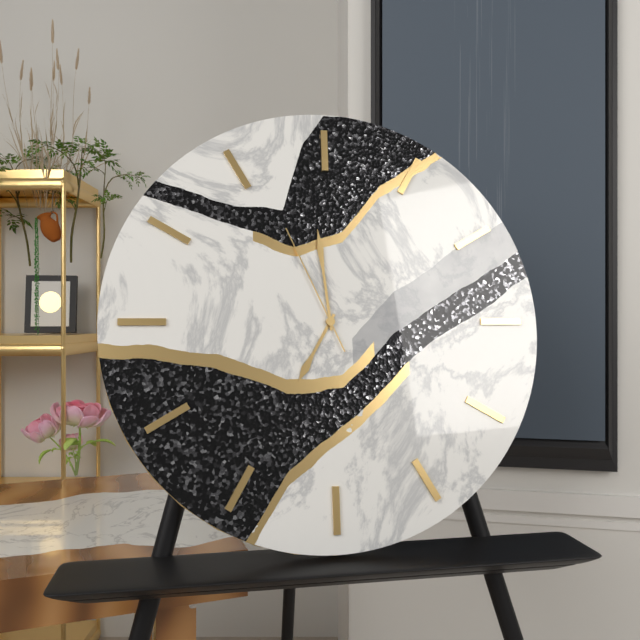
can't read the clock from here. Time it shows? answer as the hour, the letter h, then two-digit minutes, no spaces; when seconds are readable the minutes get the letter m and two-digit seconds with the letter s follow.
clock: 6h59m56s
